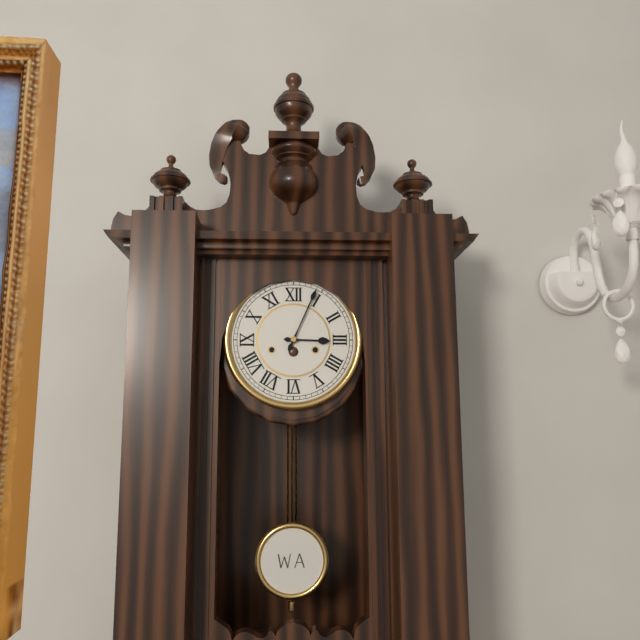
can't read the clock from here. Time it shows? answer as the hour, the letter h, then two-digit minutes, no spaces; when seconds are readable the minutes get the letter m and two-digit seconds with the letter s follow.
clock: 3h04
